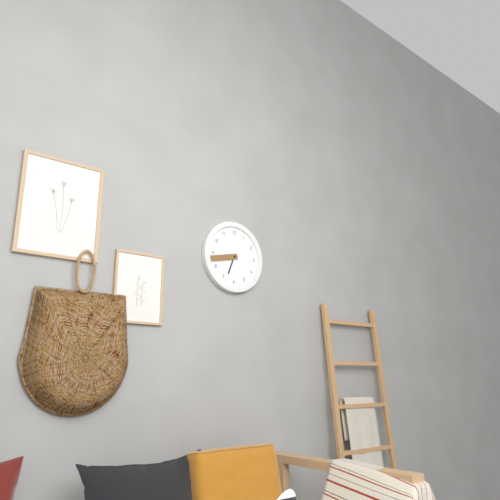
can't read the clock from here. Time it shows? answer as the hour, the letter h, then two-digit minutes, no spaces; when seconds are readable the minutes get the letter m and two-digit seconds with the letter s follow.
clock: 6h43
